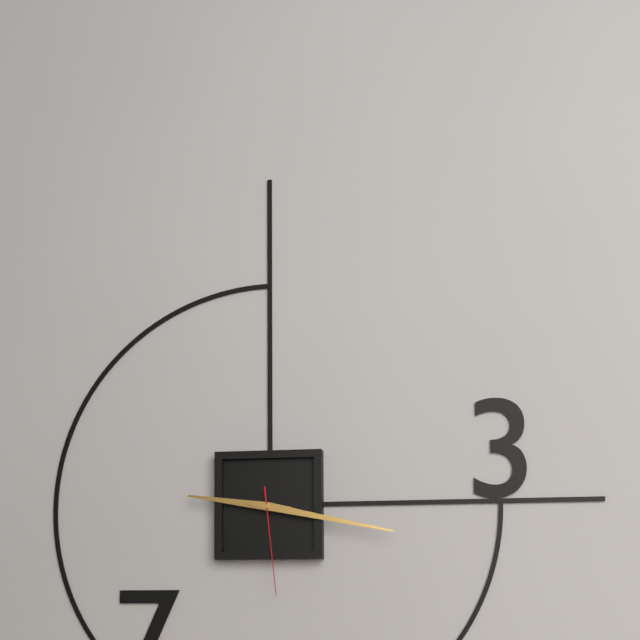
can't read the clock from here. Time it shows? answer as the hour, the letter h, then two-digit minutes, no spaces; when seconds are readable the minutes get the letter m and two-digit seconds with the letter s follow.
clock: 9h17m29s
